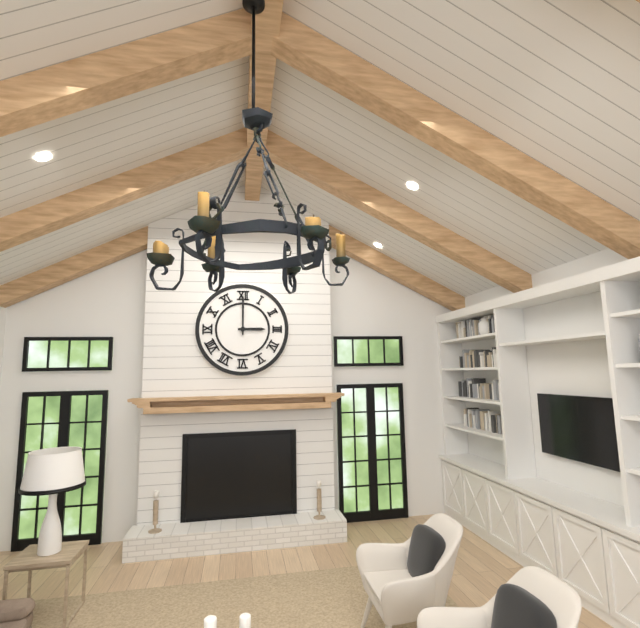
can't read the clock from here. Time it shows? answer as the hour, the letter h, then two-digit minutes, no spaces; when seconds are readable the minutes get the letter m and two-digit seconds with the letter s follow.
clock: 3h00
